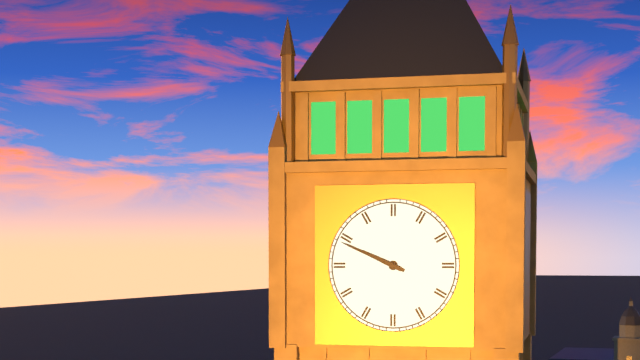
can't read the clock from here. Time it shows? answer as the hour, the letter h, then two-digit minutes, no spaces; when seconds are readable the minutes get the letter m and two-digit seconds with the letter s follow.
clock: 9h49
